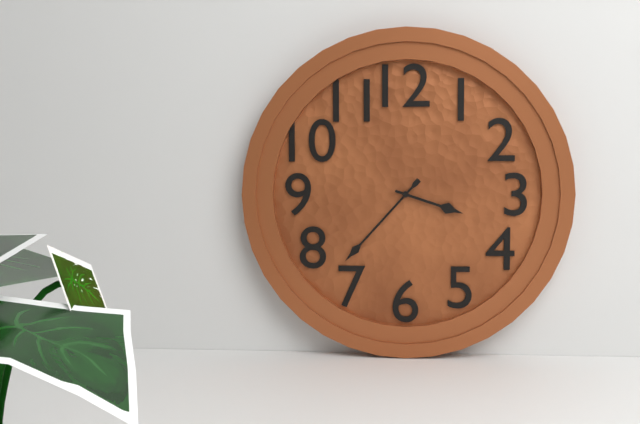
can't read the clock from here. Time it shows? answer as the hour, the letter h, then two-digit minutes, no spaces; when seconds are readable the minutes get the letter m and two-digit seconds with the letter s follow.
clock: 3h37
